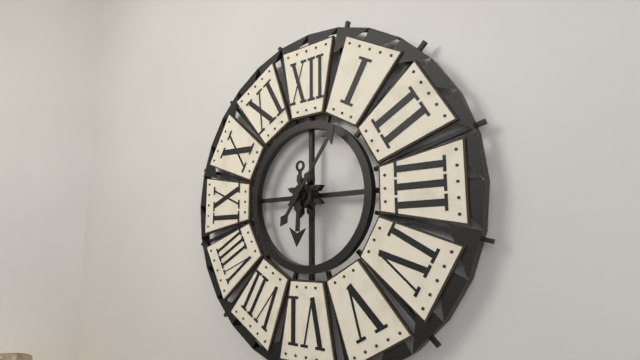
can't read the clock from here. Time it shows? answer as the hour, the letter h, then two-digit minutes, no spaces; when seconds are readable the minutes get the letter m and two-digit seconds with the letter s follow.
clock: 6h06
